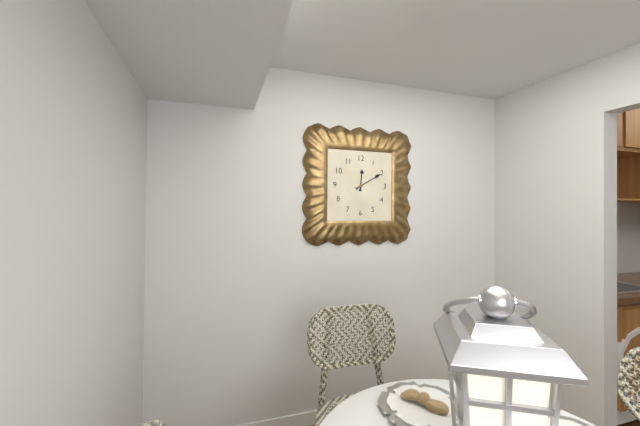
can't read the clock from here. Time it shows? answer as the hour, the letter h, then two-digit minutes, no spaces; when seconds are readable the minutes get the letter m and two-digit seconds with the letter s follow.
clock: 12h10
